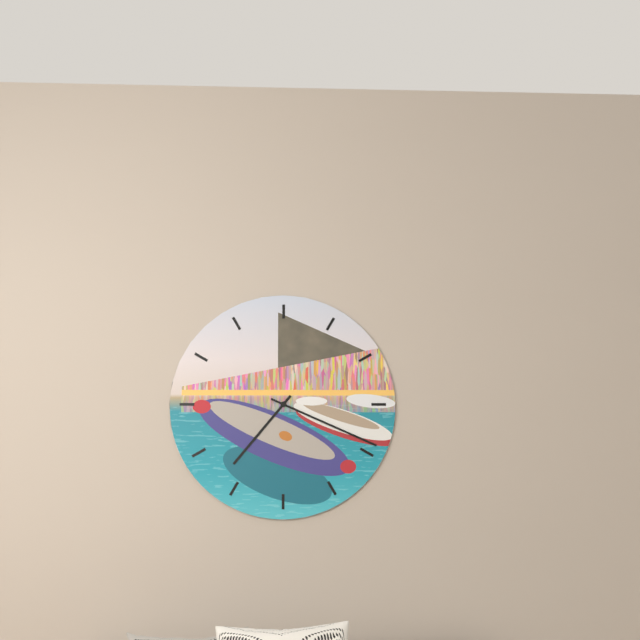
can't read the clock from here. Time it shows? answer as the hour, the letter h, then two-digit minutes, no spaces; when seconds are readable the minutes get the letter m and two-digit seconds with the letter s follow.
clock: 7h19
